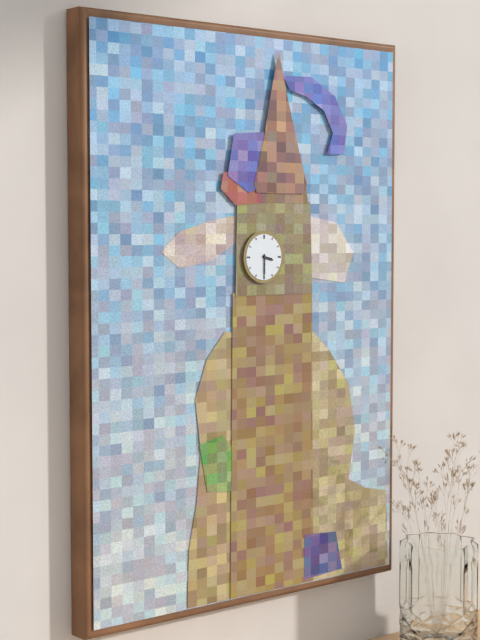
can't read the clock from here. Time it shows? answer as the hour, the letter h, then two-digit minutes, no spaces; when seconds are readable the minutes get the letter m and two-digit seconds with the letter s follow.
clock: 3h30
